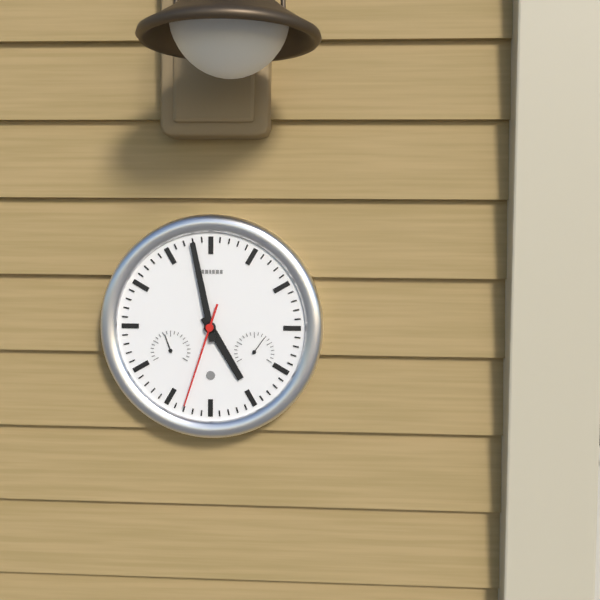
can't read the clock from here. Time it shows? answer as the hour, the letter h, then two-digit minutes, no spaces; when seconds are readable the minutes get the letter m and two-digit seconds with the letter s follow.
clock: 4h58m33s
